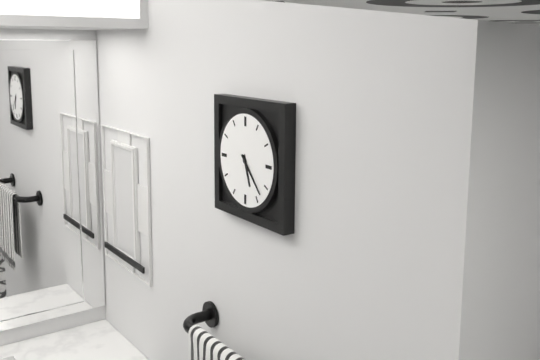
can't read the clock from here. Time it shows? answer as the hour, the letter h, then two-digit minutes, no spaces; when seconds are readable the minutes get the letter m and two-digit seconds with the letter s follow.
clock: 5h23
